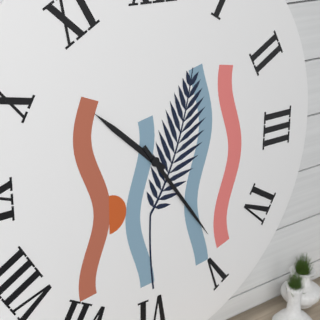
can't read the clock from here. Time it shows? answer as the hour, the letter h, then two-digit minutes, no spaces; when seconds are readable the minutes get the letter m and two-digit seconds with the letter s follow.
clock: 10h24
